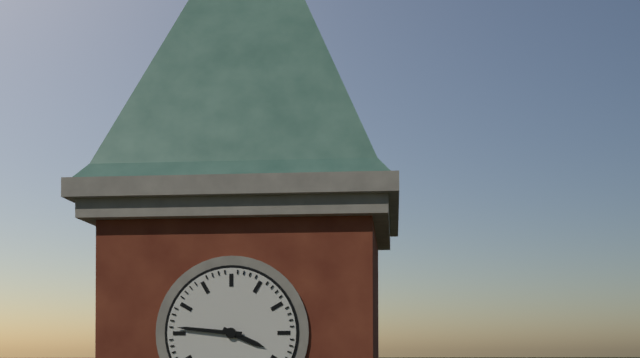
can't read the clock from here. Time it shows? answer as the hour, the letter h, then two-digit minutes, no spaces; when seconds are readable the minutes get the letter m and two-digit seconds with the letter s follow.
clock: 3h46
